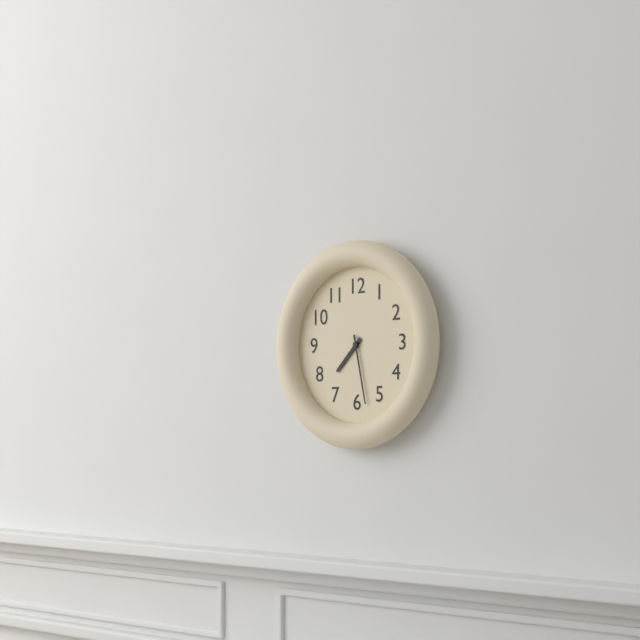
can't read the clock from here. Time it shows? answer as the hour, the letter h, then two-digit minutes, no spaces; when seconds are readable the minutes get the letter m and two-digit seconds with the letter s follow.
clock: 7h28
